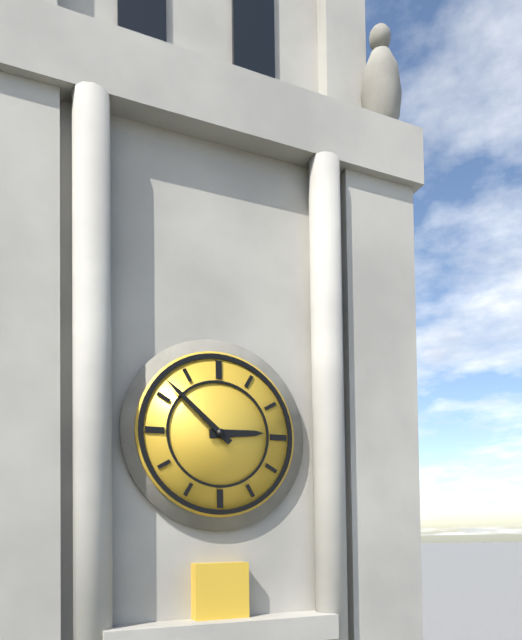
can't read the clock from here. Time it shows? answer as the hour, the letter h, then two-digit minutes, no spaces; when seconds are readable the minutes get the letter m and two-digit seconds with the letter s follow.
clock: 2h52
